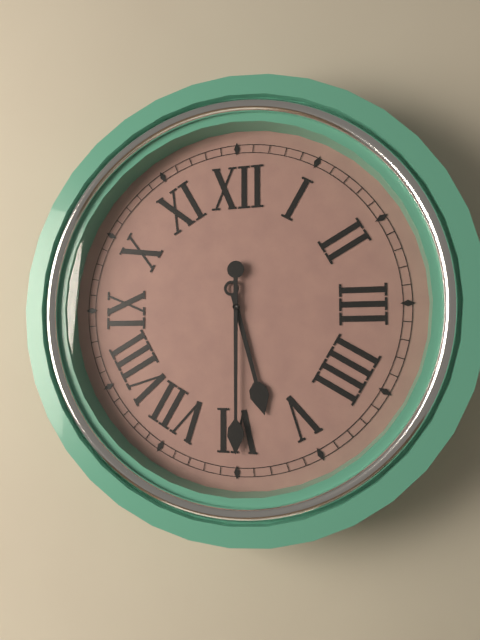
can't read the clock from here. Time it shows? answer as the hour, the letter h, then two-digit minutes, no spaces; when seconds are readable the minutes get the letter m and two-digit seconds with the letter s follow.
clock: 5h30
